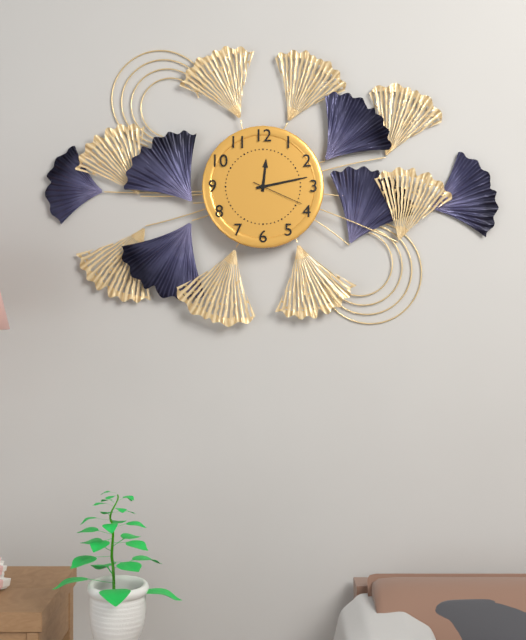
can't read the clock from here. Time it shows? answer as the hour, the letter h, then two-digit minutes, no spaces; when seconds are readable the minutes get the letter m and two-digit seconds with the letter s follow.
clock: 12h13m19s
